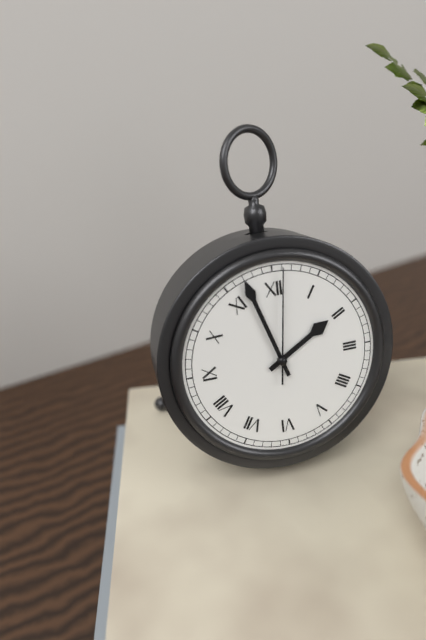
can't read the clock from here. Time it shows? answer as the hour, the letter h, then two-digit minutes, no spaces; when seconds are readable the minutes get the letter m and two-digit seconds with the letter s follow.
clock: 1h57m01s
